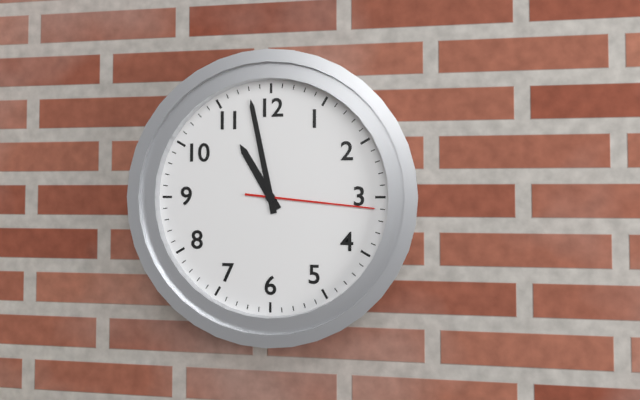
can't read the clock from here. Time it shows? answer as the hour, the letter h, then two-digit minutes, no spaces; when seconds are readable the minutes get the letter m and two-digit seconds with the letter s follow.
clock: 10h58m16s
